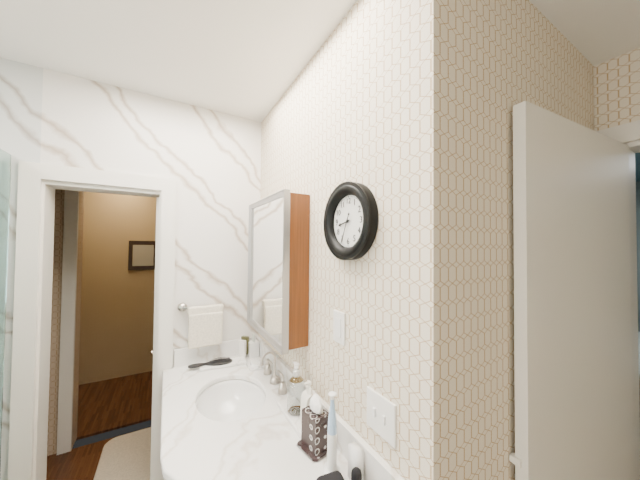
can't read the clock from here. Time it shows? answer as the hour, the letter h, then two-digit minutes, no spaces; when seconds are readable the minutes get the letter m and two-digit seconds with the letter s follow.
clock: 8h34
